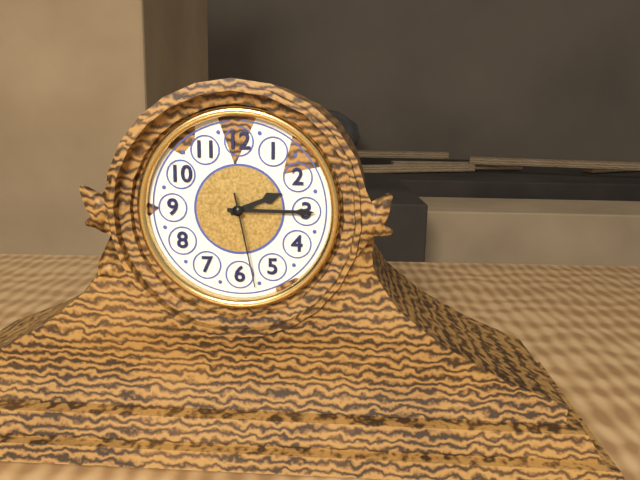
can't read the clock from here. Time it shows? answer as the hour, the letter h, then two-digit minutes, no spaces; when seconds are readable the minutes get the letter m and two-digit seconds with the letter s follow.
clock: 2h15m28s
